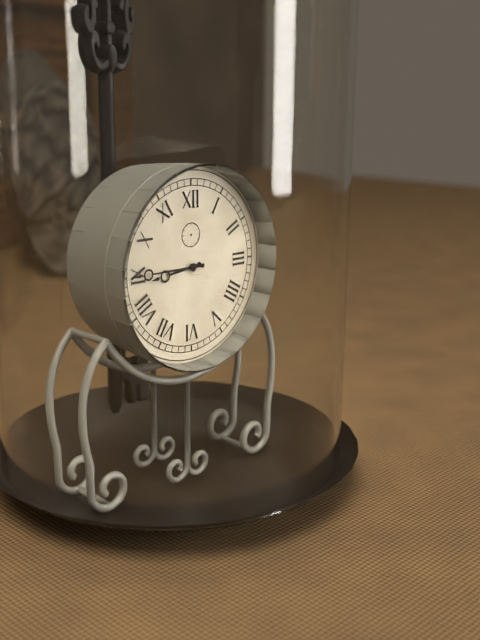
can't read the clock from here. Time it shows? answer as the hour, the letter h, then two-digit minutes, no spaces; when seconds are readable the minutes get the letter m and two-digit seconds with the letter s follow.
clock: 8h45
